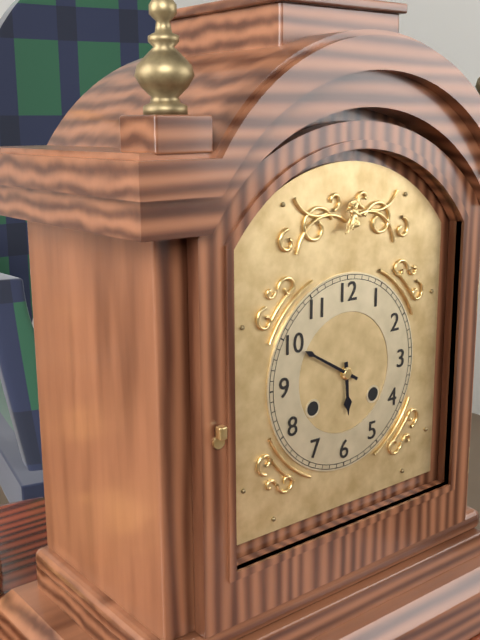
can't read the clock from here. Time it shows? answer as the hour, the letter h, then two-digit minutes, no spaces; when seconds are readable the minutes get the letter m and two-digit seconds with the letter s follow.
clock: 5h50
